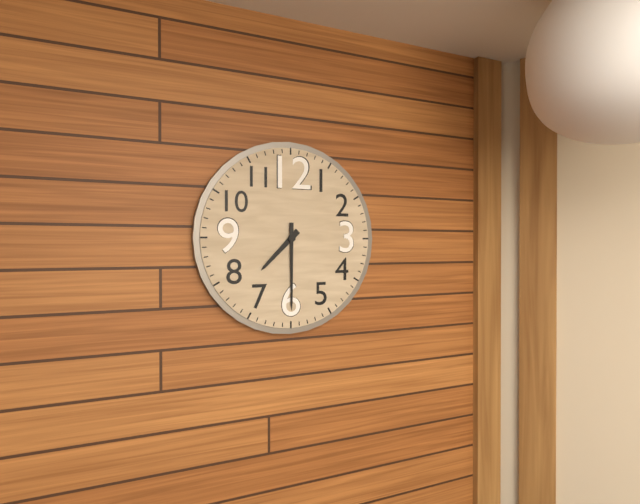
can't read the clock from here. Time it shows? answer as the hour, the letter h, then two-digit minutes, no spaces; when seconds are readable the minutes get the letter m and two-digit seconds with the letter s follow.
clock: 7h30
